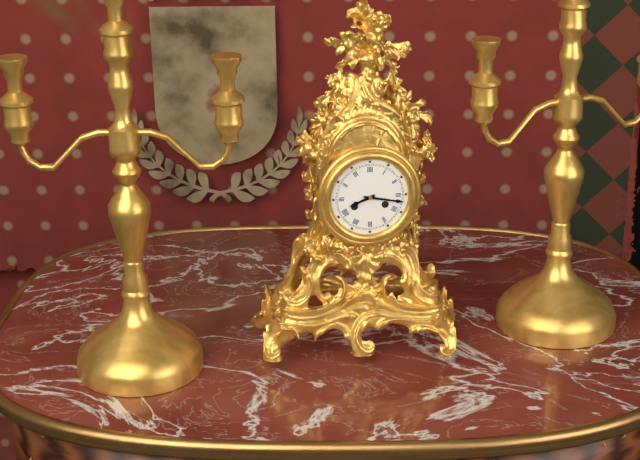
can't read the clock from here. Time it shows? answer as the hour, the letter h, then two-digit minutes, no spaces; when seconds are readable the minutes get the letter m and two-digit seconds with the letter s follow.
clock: 8h17
